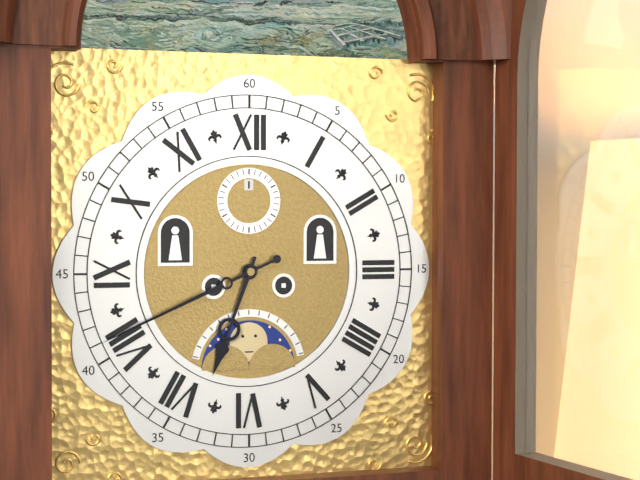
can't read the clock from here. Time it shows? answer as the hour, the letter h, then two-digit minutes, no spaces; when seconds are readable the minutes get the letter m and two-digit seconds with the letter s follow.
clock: 6h41
